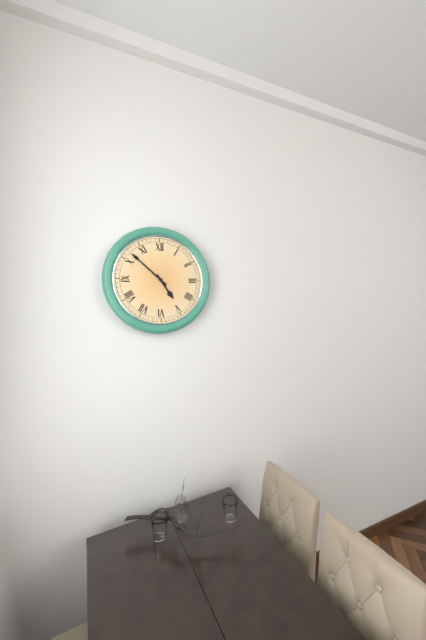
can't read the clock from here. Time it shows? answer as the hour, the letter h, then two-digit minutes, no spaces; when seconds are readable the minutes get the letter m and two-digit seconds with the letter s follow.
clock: 4h52
